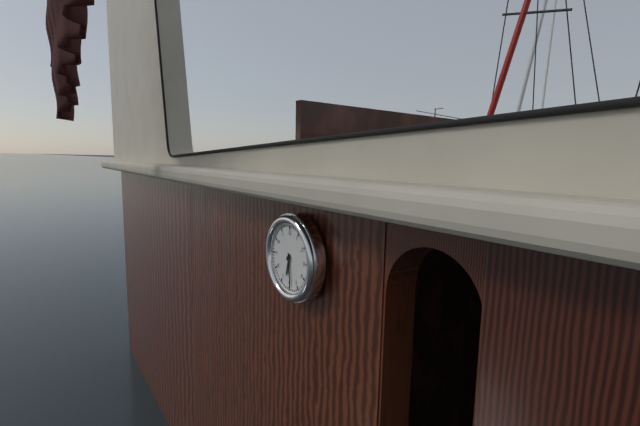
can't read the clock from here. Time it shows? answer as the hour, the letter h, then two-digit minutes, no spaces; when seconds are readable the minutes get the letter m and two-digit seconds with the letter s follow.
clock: 6h29
